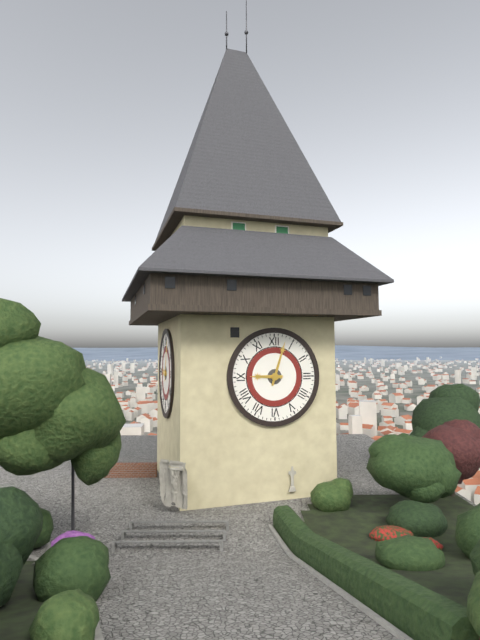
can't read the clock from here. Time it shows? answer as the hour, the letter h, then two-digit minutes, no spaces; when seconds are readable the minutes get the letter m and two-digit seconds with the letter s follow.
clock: 9h03
